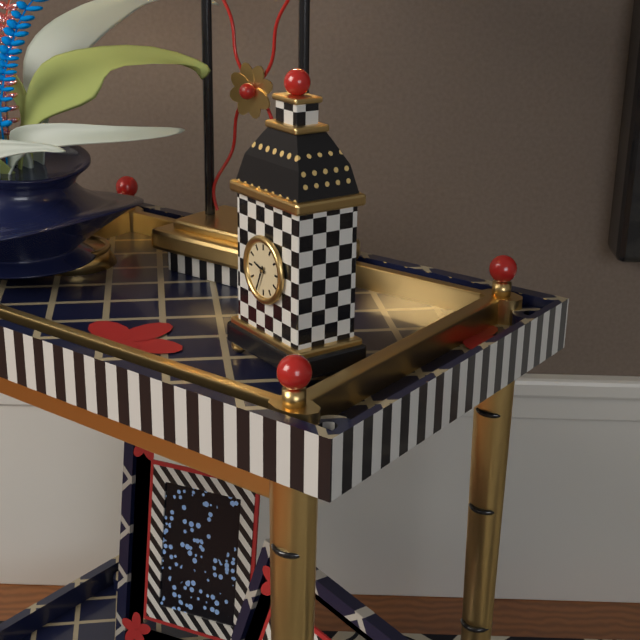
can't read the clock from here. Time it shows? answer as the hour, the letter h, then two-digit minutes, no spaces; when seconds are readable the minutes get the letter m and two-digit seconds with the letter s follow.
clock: 9h34
